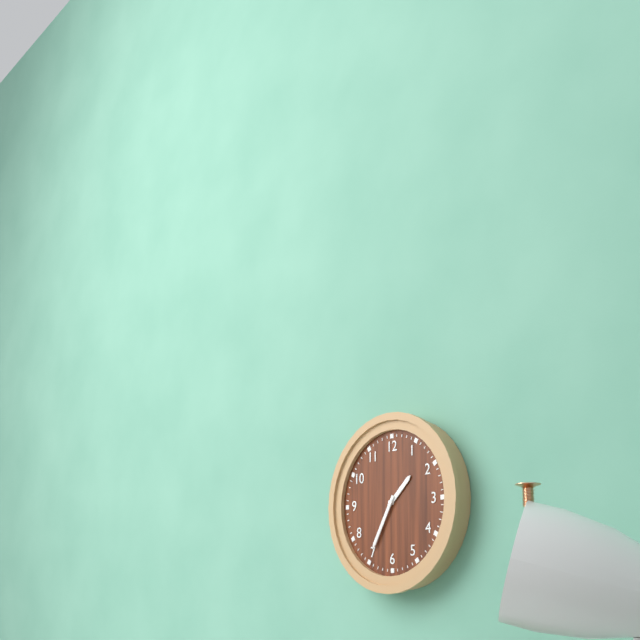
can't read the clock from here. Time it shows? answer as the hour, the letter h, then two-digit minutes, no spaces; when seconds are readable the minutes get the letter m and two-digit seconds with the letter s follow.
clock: 1h35
